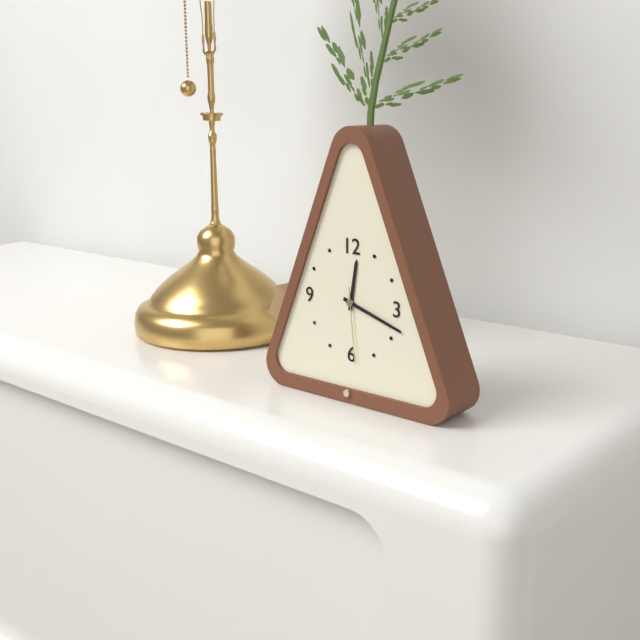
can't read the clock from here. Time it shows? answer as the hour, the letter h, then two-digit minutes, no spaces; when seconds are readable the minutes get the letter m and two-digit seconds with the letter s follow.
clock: 12h18m29s
